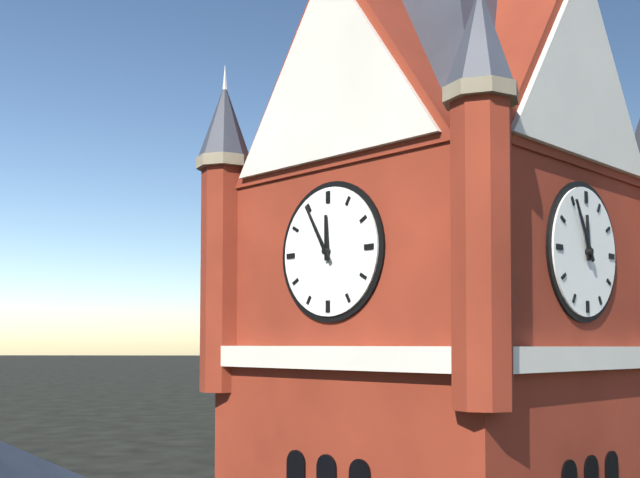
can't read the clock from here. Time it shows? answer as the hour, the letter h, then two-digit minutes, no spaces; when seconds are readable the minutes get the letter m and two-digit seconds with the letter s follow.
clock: 11h55
